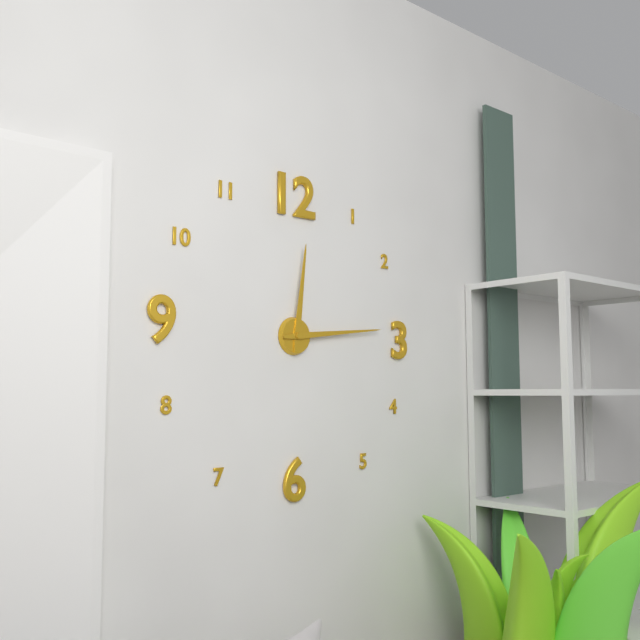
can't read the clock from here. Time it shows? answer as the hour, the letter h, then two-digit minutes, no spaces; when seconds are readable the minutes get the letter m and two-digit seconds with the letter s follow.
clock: 12h14
